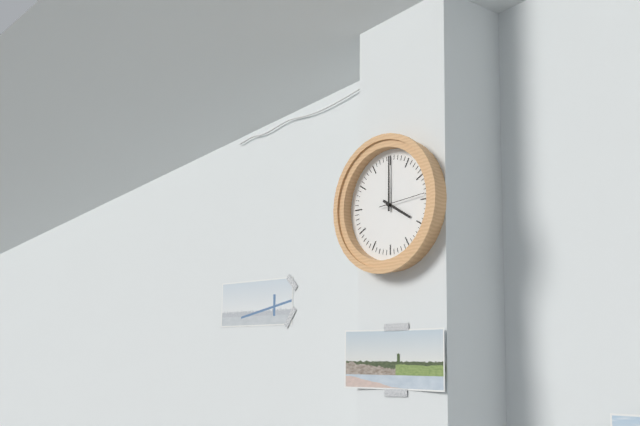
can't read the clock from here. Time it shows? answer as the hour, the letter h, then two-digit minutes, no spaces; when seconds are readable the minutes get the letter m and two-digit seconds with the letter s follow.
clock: 4h00
